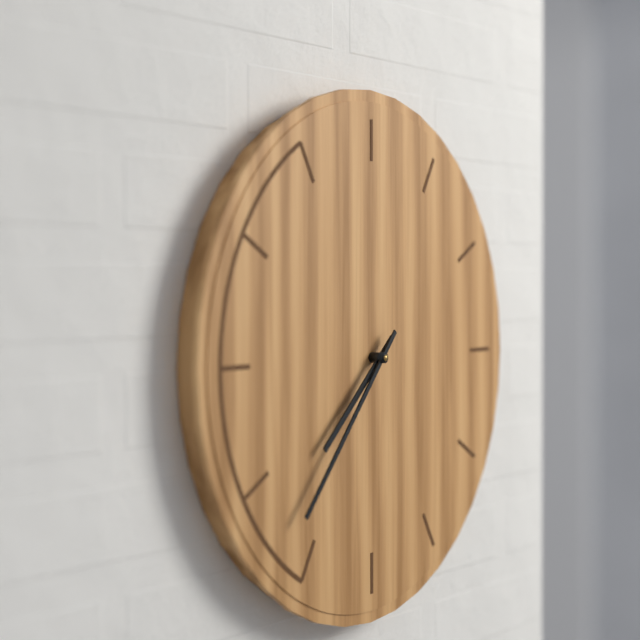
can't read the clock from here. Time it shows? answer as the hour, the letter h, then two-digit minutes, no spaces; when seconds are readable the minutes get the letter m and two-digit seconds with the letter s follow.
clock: 7h37
